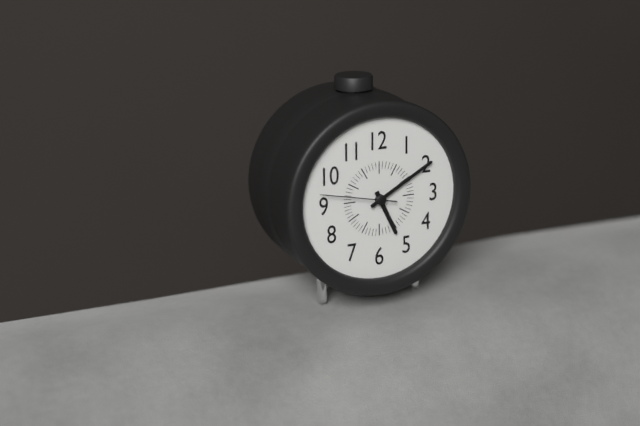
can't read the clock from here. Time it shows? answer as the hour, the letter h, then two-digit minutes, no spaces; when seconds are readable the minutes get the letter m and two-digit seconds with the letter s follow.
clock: 5h10m47s
